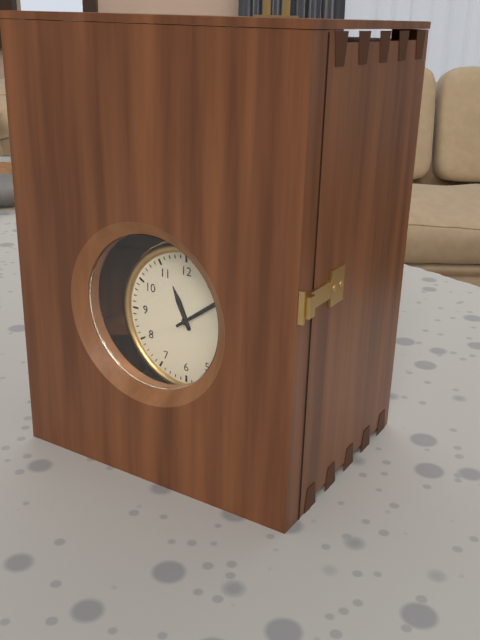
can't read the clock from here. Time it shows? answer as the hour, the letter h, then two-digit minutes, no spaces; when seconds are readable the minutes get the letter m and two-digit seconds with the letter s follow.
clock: 11h09
